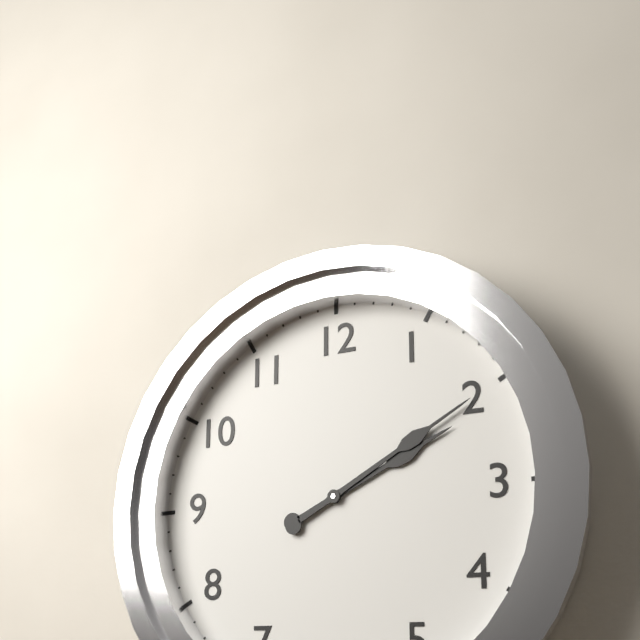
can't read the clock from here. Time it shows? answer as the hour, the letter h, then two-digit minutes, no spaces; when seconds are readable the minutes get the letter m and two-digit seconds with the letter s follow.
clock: 2h10
